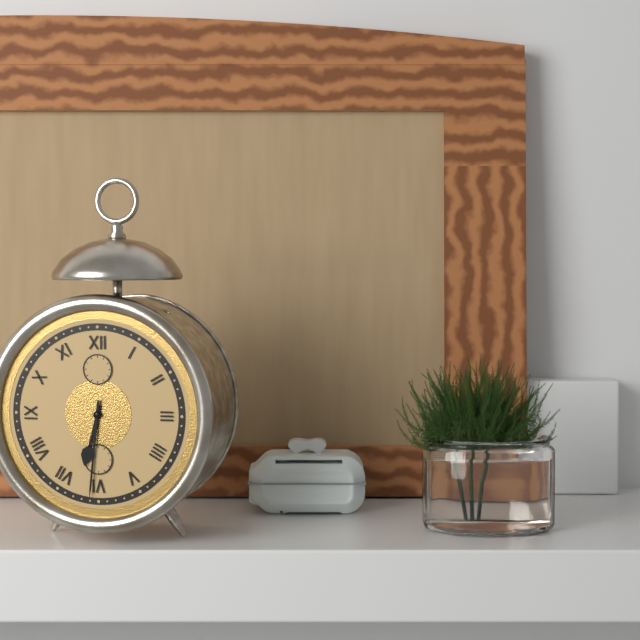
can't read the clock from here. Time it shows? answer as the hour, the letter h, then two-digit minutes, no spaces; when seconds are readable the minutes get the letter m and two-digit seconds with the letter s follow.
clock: 6h31
